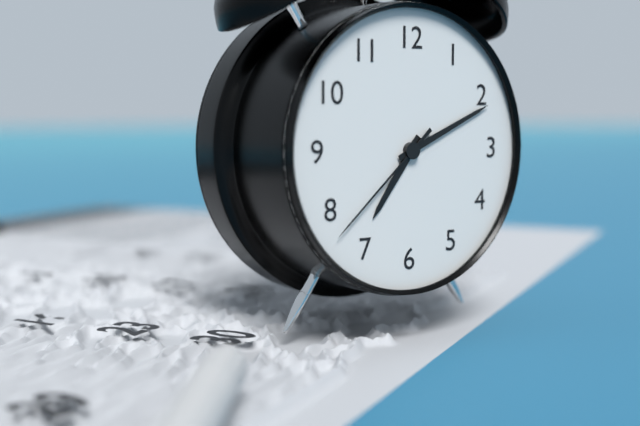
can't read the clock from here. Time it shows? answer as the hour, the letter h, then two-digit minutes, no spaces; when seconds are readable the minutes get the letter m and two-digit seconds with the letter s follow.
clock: 7h11m38s
